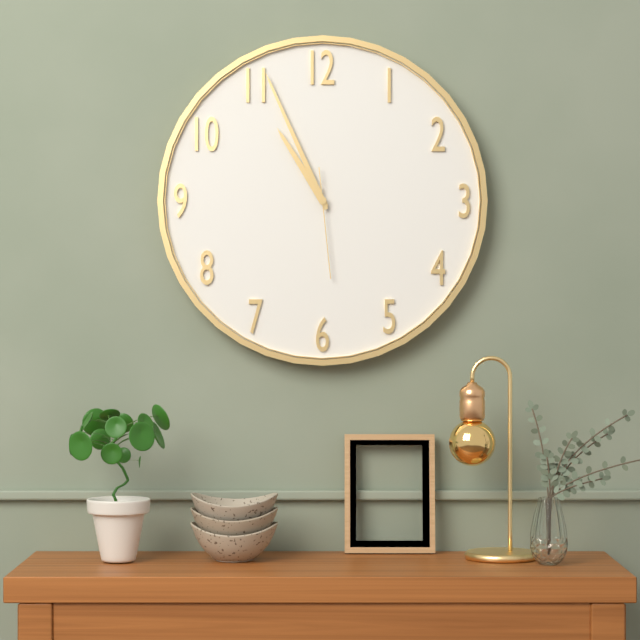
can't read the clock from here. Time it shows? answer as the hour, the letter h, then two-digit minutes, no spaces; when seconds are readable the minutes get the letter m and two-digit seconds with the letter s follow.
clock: 10h56m29s
